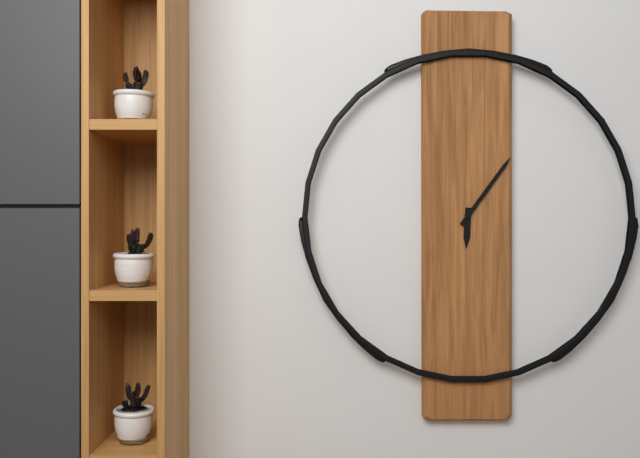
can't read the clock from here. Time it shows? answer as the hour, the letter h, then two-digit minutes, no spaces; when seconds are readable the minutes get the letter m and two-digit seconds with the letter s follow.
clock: 6h06
